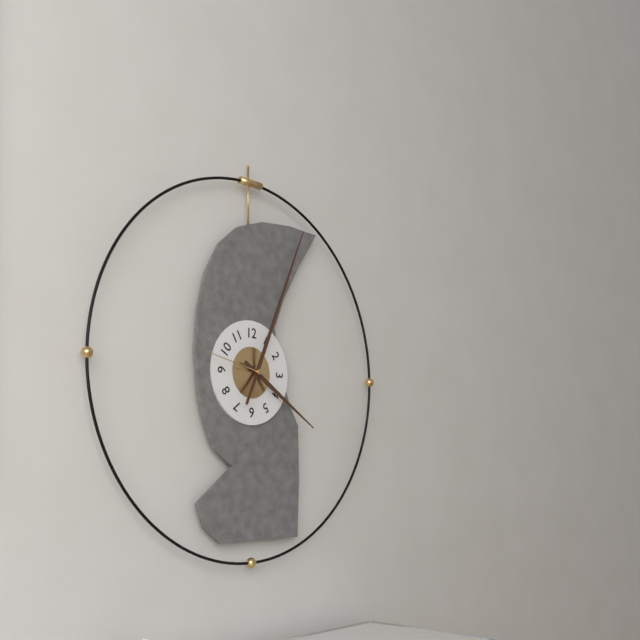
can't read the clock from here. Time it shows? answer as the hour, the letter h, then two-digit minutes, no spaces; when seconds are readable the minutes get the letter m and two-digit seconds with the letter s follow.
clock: 4h04m47s
